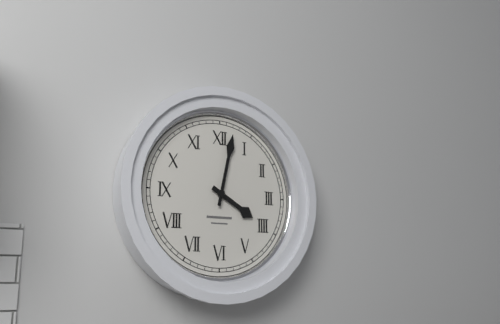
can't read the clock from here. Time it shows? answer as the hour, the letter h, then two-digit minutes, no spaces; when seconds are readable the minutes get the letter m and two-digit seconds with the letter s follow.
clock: 4h02
